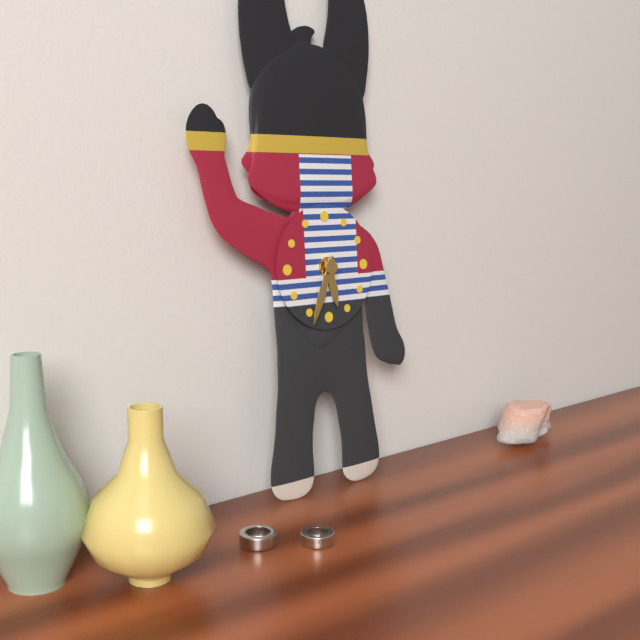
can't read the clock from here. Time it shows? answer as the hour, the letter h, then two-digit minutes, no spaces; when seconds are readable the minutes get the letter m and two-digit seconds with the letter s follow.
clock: 5h34
